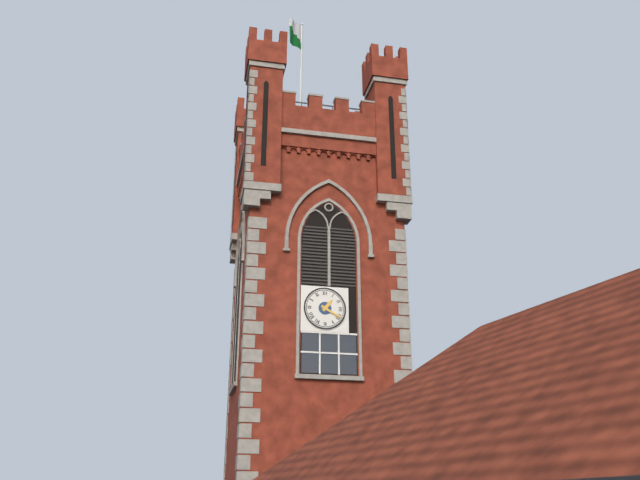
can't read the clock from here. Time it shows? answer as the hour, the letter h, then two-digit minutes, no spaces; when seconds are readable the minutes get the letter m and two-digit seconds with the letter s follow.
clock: 1h20
